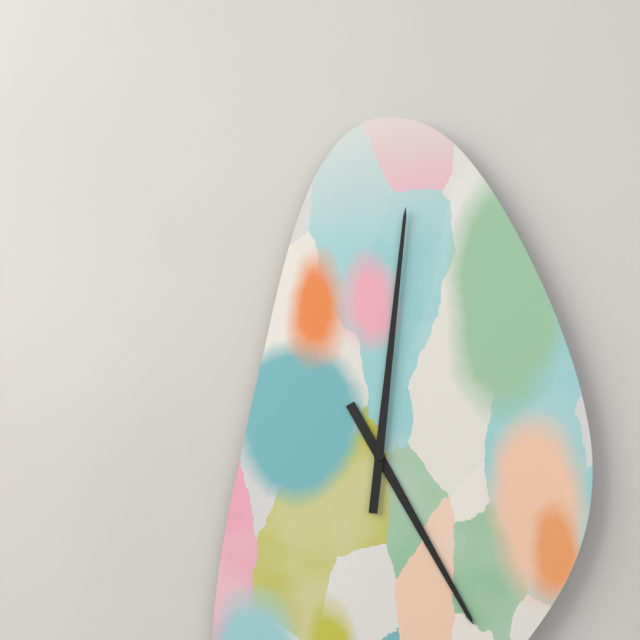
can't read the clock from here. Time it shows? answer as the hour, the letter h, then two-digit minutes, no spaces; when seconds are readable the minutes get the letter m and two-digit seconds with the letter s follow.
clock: 5h01
